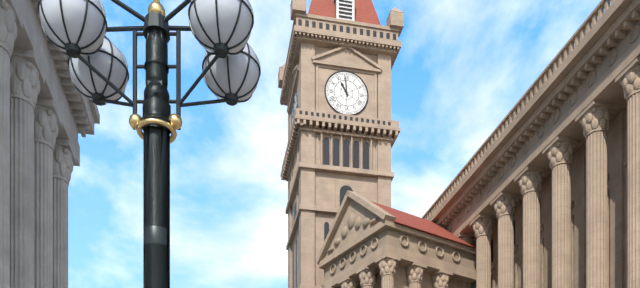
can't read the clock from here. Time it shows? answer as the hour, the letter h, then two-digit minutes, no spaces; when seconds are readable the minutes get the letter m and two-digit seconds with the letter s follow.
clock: 10h59
